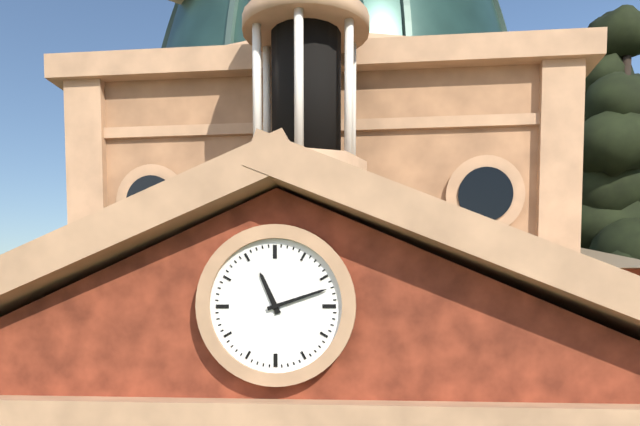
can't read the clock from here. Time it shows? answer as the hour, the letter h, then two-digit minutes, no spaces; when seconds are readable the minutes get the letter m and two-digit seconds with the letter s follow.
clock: 11h12
